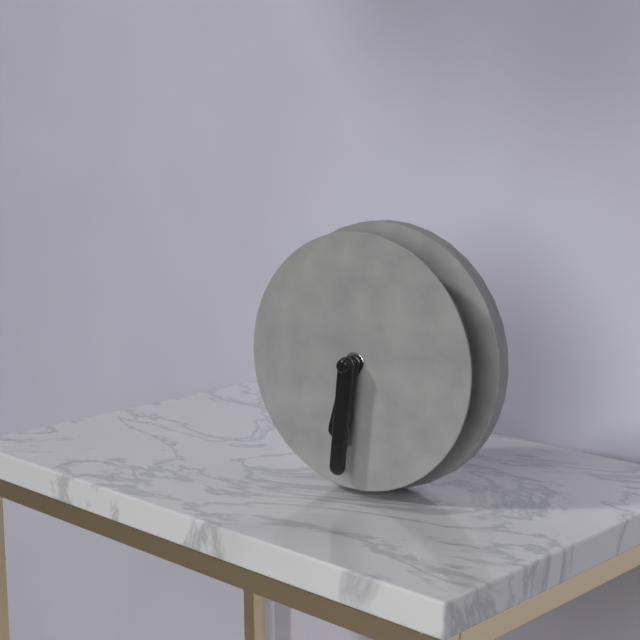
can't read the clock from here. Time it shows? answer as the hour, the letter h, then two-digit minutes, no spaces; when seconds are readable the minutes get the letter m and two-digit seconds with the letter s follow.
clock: 6h31
